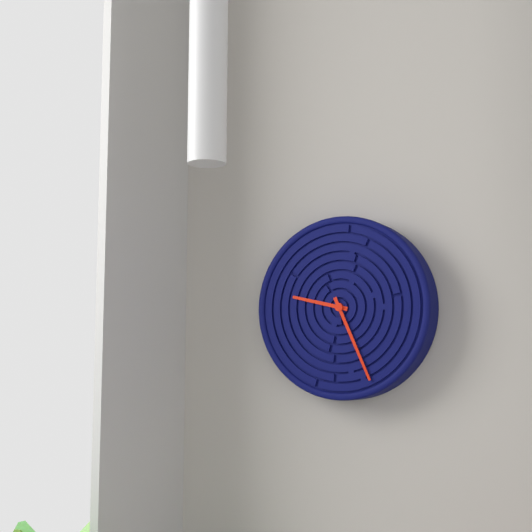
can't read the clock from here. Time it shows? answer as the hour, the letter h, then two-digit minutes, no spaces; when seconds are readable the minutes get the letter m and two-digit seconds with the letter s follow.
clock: 9h26
